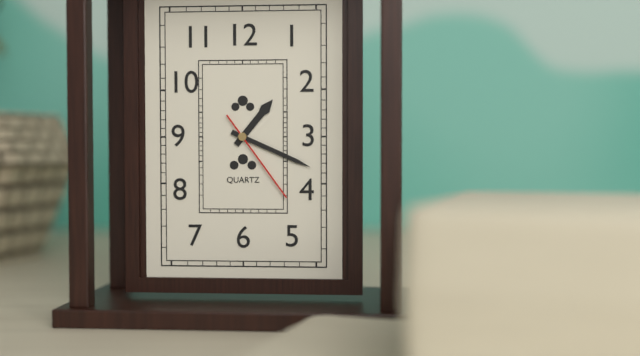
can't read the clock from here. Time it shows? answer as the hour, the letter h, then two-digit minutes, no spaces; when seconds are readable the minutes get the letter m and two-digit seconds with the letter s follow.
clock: 1h19m24s
